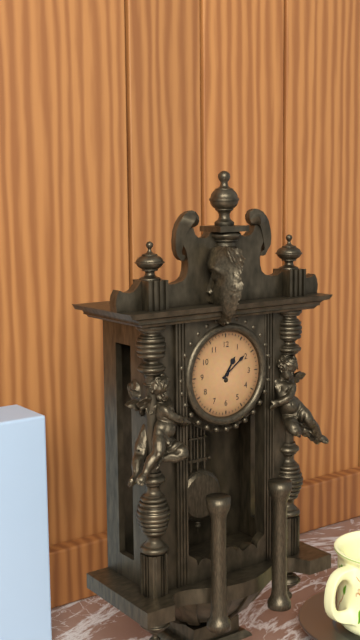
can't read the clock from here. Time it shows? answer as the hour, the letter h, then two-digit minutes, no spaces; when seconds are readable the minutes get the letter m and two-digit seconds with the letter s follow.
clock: 1h09
